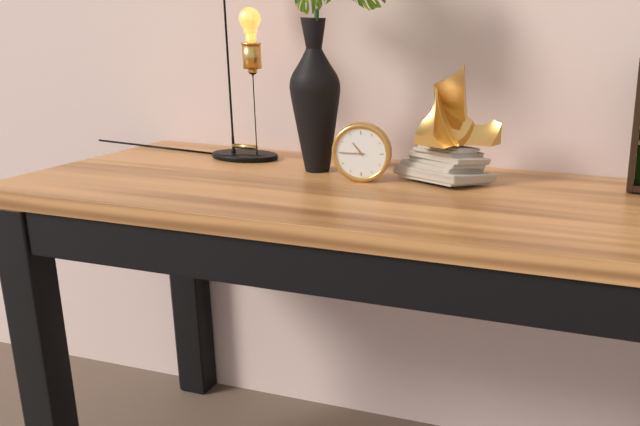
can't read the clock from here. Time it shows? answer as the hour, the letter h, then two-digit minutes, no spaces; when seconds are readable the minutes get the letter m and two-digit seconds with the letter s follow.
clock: 10h45
